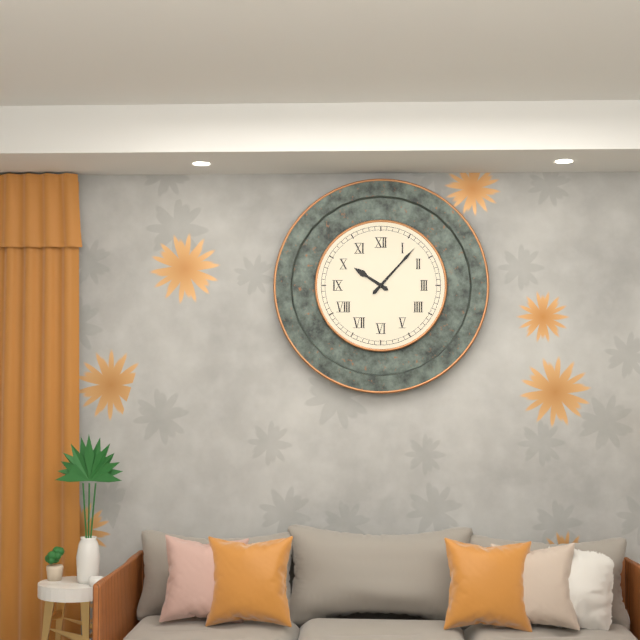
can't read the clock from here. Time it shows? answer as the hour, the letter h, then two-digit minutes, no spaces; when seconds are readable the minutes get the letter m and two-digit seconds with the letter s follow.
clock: 10h07
